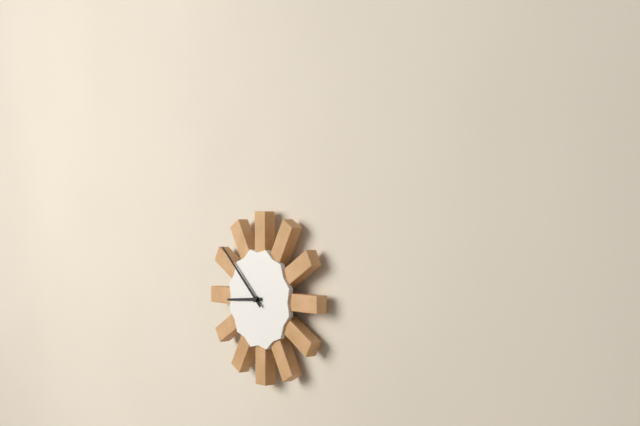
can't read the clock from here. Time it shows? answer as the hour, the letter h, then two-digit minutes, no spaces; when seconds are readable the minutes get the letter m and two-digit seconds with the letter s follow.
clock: 8h52
